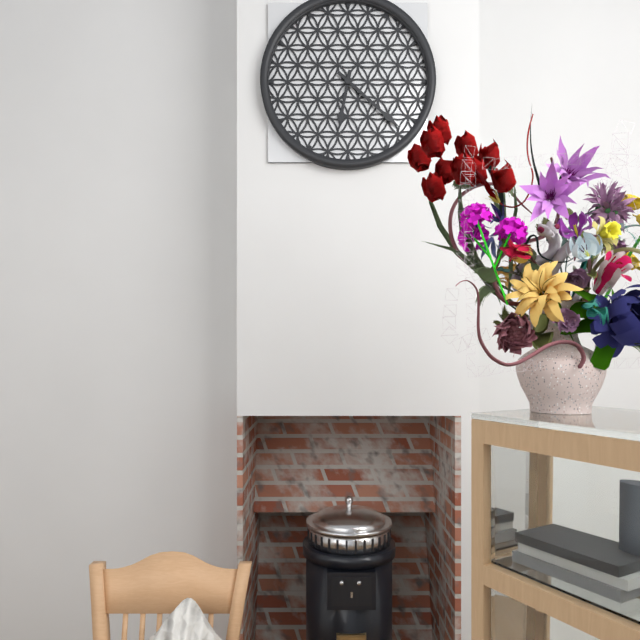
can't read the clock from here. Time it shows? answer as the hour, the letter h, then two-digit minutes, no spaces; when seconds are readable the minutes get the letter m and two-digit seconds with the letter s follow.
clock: 6h22
